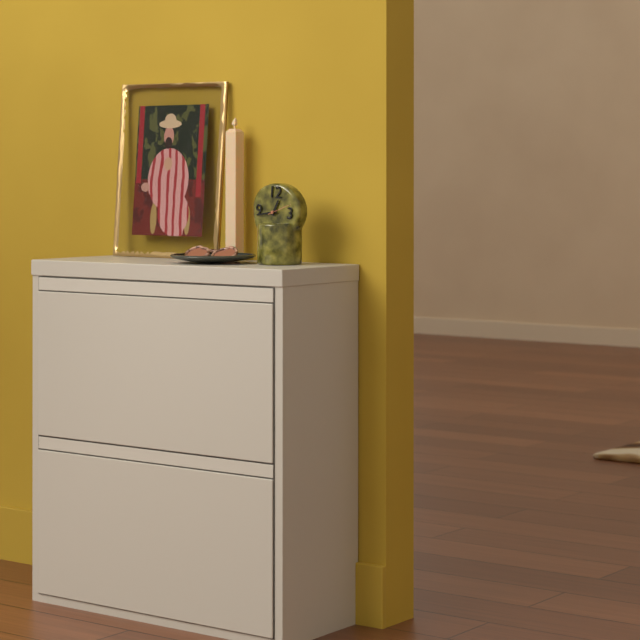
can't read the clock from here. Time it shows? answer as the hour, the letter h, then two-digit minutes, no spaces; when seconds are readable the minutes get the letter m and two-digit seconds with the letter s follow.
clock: 12h43
